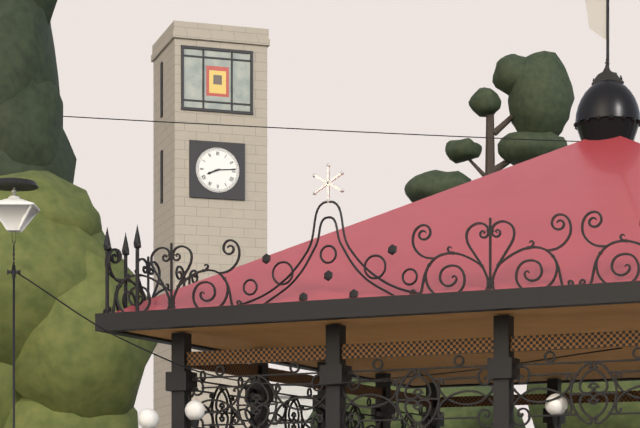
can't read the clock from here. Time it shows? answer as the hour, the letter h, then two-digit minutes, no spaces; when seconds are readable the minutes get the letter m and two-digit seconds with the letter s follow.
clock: 8h14
